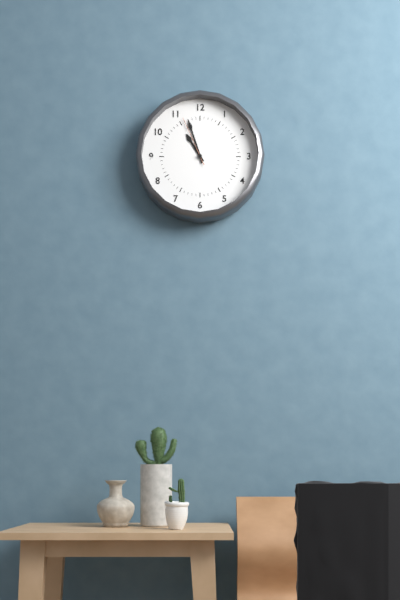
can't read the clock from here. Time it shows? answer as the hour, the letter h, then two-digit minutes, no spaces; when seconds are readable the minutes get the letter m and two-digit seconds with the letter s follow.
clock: 10h57m56s
